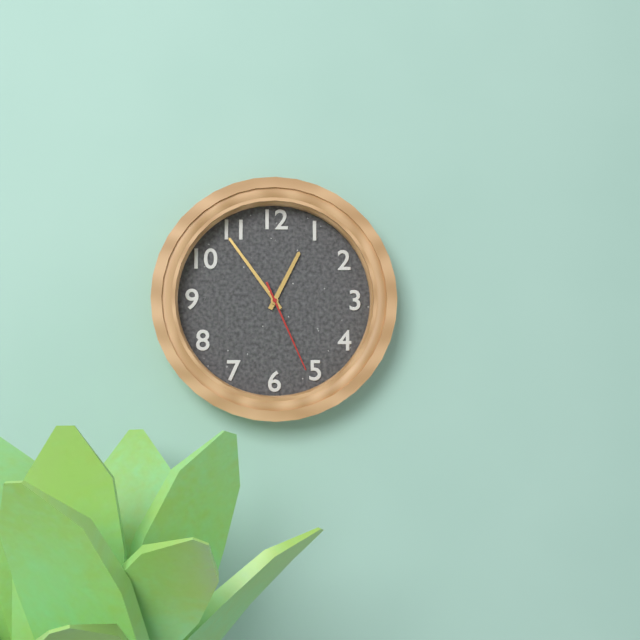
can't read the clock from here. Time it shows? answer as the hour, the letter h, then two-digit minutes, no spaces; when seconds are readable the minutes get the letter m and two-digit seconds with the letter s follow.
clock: 12h54m26s
